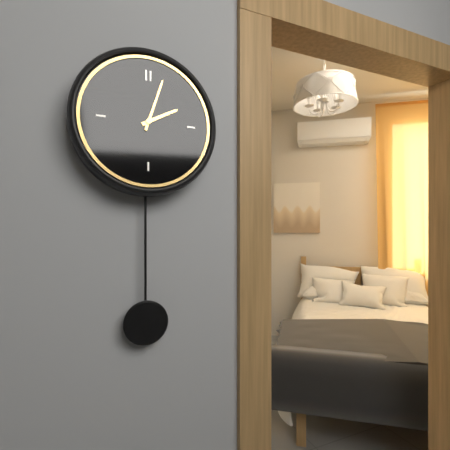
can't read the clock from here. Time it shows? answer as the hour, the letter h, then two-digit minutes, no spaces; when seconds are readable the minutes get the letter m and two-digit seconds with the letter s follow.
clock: 2h03
